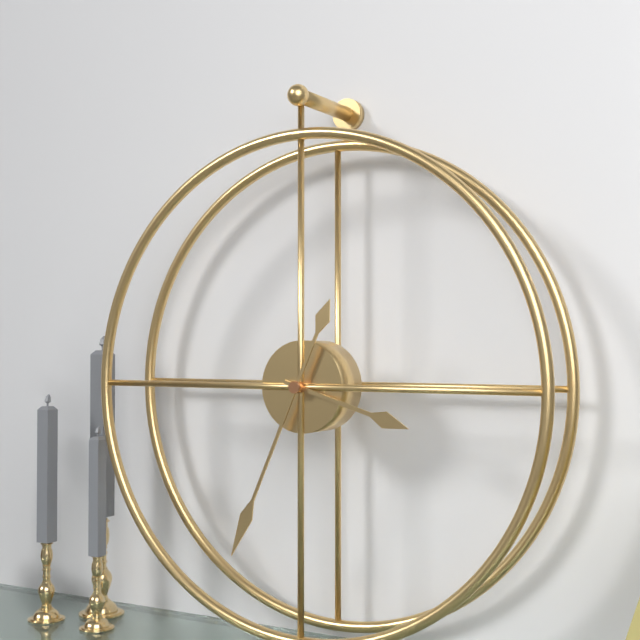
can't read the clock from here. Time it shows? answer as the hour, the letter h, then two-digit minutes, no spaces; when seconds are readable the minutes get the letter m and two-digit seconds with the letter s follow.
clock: 3h34
